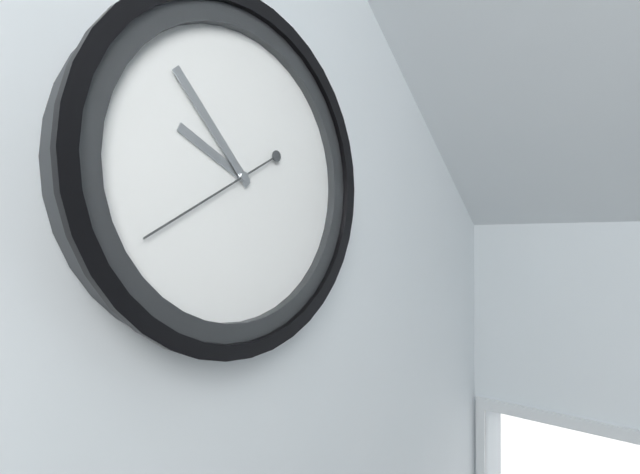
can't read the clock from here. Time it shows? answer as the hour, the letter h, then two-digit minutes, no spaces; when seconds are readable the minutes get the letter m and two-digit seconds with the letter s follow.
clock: 9h53m40s
